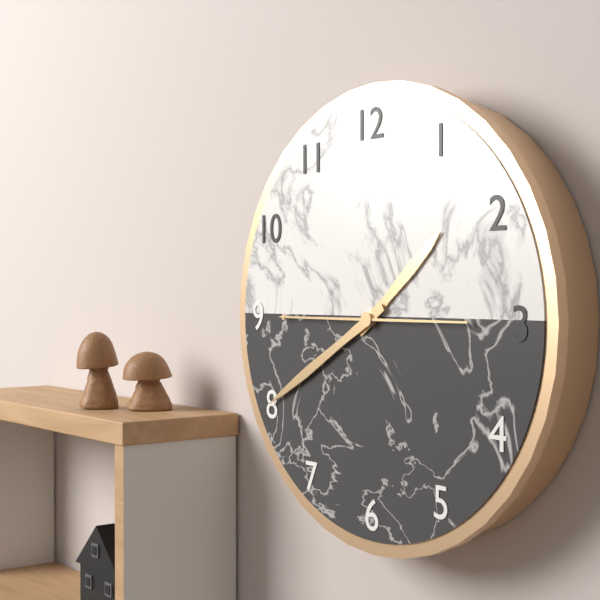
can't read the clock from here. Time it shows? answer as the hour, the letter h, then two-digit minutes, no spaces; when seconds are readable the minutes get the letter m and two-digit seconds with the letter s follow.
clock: 1h40m45s
